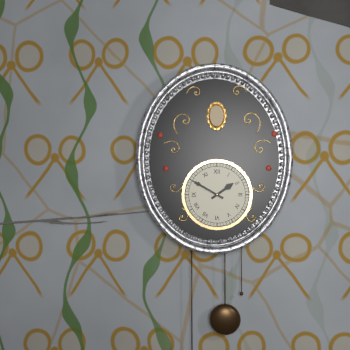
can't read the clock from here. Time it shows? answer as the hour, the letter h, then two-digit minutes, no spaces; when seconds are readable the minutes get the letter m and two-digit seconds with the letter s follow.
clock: 1h50
